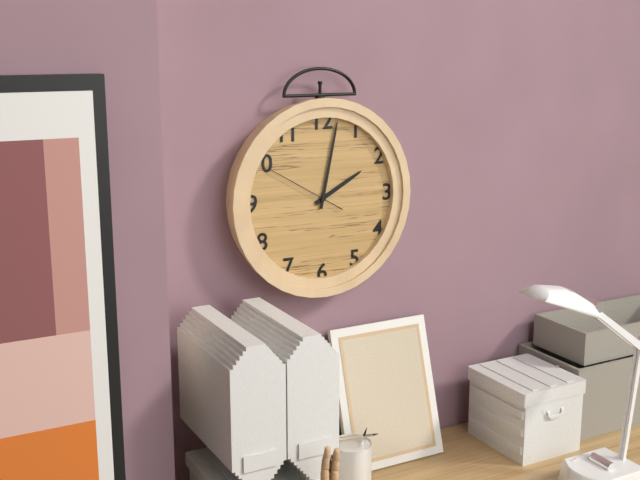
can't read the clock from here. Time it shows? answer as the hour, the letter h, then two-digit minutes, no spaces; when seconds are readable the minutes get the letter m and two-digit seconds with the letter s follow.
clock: 2h02m50s
